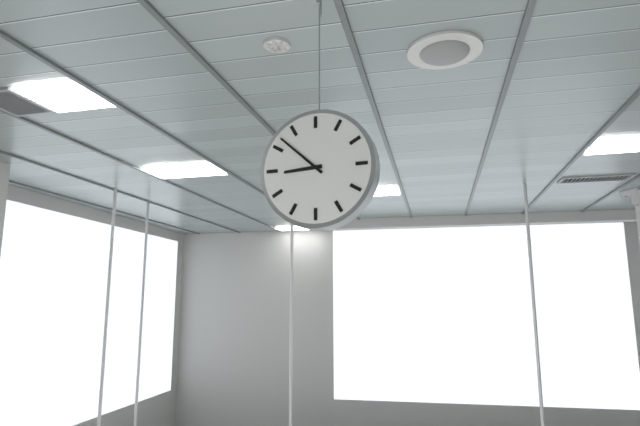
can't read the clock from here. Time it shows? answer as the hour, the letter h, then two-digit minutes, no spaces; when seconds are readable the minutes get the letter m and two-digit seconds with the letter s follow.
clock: 8h52
